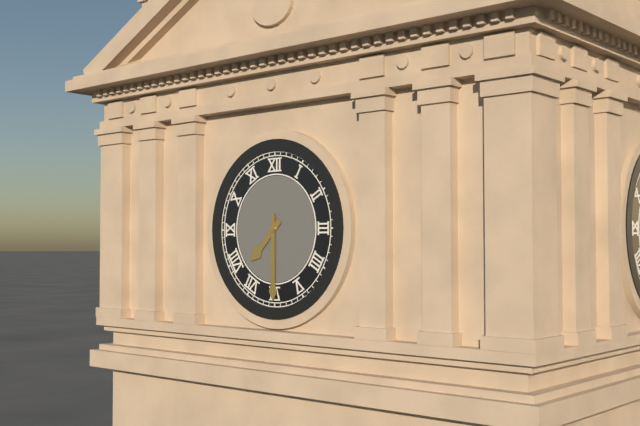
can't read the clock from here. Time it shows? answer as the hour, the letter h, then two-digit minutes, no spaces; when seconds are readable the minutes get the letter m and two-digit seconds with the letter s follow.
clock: 7h30
